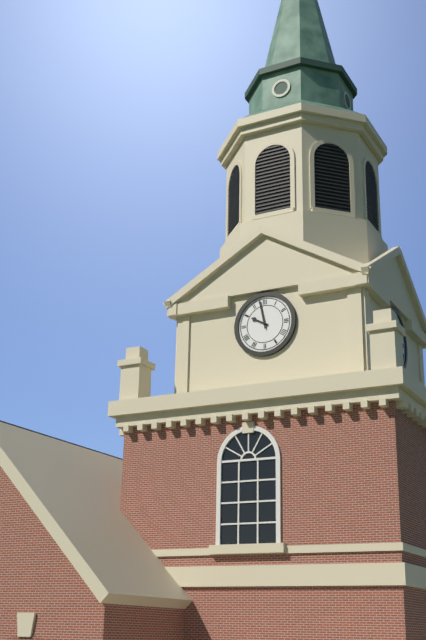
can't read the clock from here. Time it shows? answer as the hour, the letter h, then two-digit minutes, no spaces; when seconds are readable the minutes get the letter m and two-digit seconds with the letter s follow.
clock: 9h58
